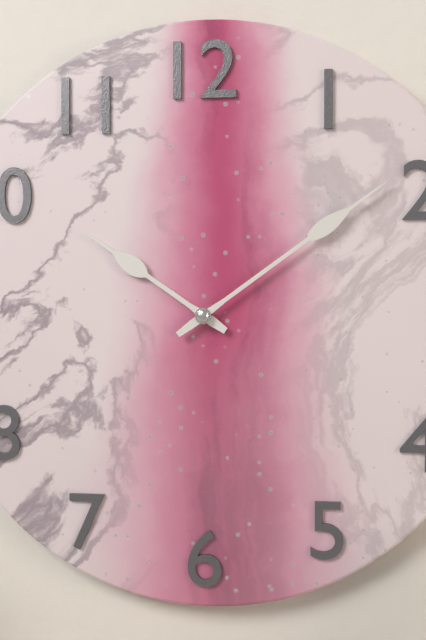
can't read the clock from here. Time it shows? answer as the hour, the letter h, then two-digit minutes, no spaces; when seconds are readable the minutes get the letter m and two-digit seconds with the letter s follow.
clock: 10h09
